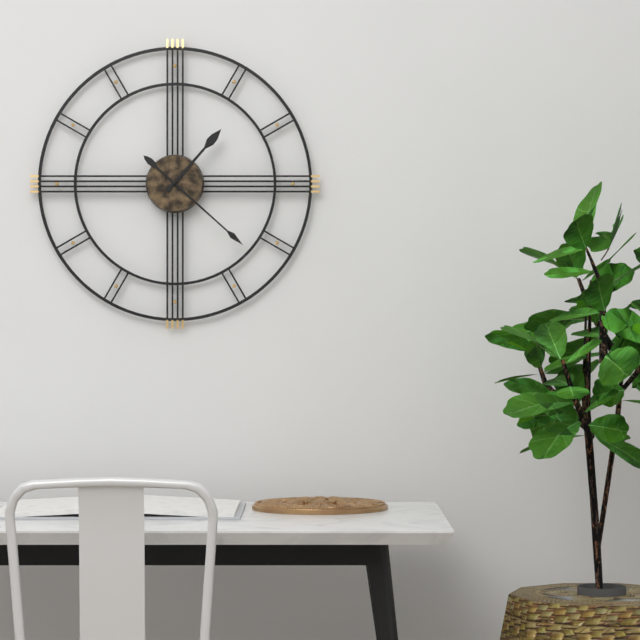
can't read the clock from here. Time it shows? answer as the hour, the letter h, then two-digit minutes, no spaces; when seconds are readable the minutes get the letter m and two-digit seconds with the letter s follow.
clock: 1h22
